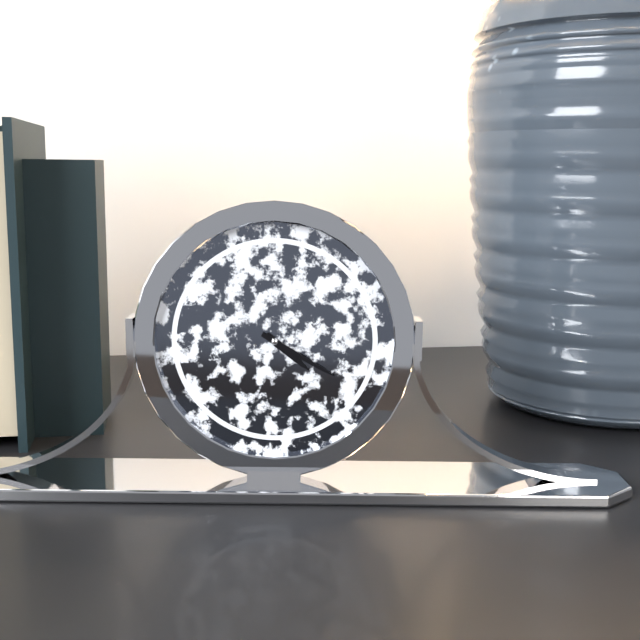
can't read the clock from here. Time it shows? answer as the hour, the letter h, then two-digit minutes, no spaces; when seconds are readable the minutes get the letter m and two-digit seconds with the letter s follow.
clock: 4h20
